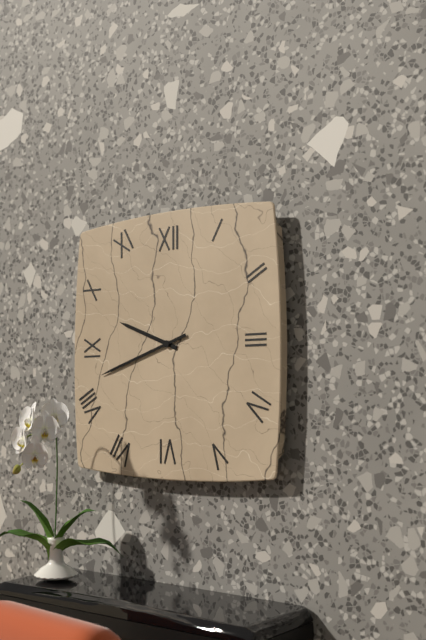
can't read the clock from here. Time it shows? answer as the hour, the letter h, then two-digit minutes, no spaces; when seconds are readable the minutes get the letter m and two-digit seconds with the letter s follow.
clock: 9h42
